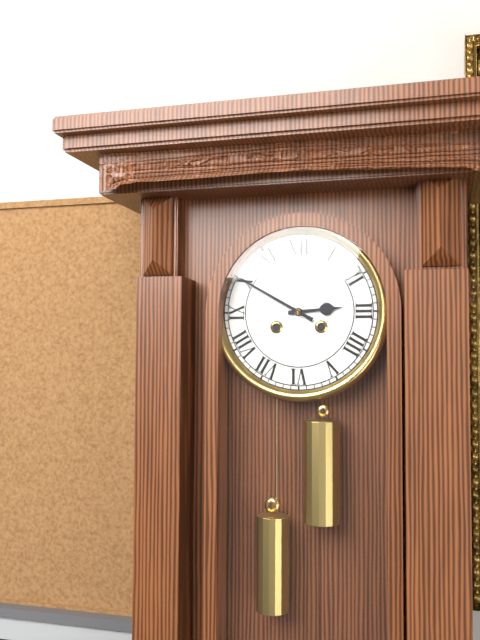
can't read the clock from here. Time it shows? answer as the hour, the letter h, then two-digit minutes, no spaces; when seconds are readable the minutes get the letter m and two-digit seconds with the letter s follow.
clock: 2h50
